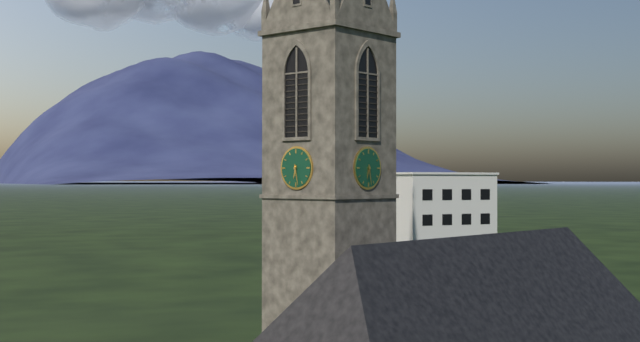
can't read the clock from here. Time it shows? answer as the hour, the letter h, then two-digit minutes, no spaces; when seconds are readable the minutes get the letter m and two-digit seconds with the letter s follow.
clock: 6h28
